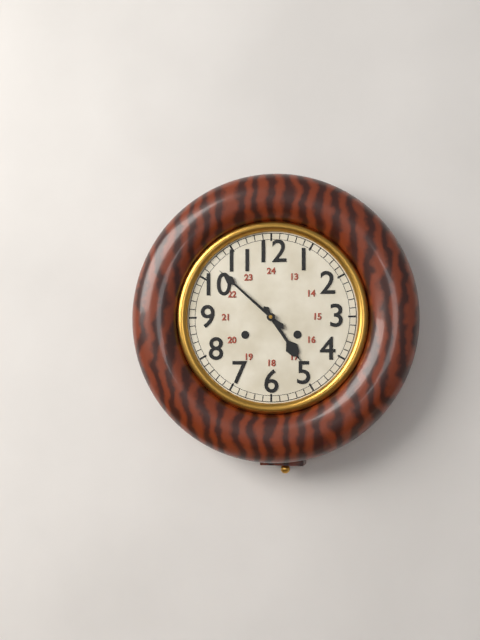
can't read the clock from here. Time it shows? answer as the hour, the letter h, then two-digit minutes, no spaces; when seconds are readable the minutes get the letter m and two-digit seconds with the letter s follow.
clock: 4h52
